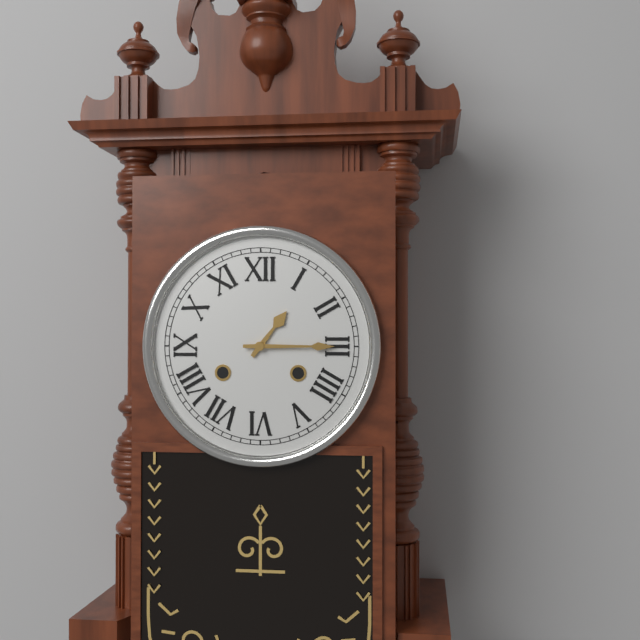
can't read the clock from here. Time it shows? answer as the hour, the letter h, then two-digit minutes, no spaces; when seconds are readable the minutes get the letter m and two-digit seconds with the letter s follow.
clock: 1h15
